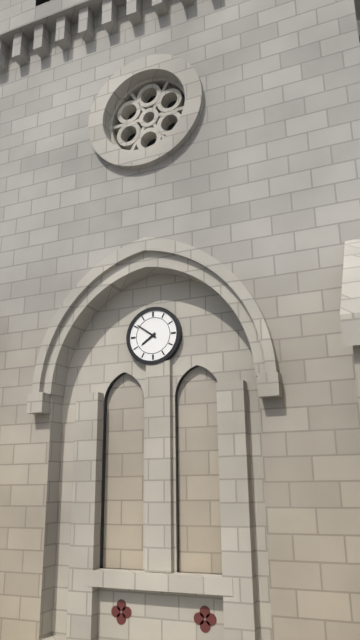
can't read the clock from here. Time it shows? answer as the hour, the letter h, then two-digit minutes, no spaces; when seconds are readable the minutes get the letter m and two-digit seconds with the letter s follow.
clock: 7h51
